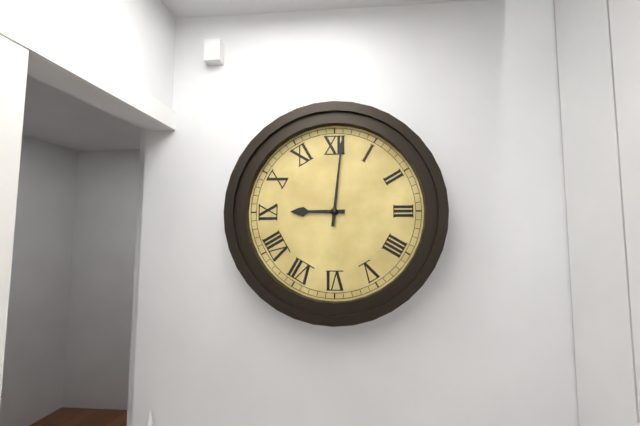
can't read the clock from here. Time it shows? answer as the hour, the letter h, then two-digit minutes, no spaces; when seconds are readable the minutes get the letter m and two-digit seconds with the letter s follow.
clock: 9h01
